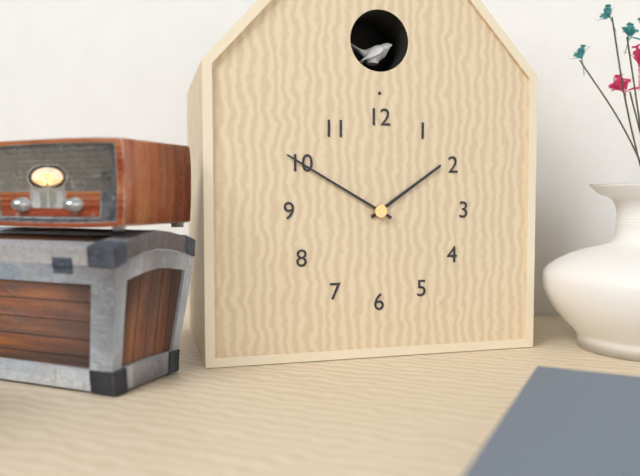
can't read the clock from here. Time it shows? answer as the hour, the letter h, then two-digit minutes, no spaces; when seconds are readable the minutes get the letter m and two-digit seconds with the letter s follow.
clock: 1h50
